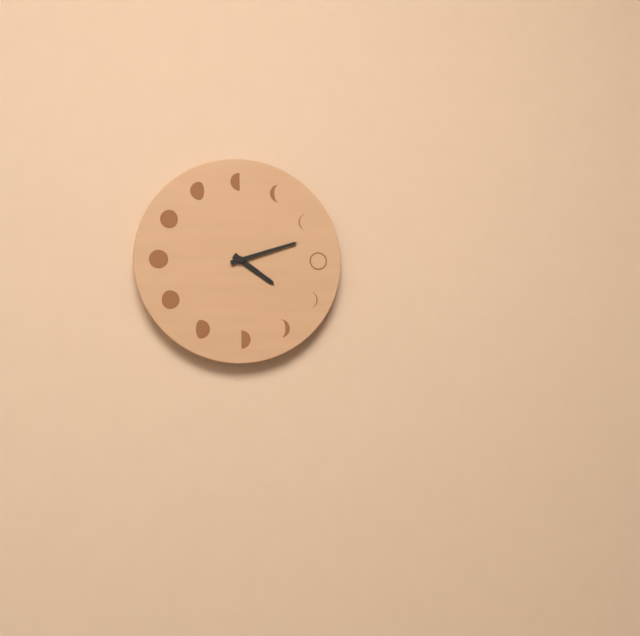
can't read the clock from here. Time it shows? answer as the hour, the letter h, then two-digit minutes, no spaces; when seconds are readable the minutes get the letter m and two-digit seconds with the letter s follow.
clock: 4h12
